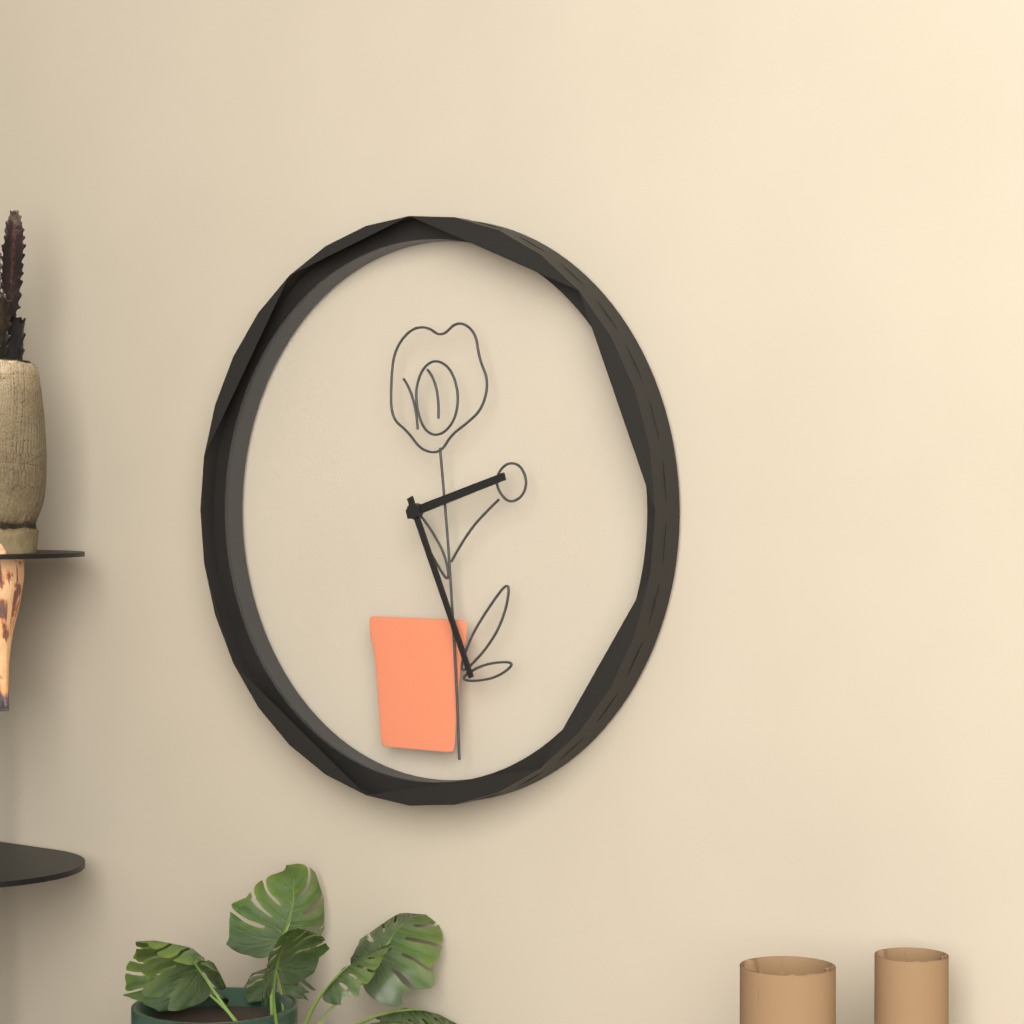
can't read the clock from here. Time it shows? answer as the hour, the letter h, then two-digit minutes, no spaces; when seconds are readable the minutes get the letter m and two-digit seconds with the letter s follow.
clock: 2h26
